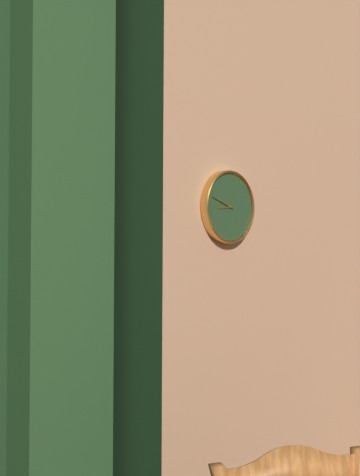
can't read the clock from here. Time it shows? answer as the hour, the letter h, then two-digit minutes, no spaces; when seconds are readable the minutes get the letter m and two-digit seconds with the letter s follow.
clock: 8h48
